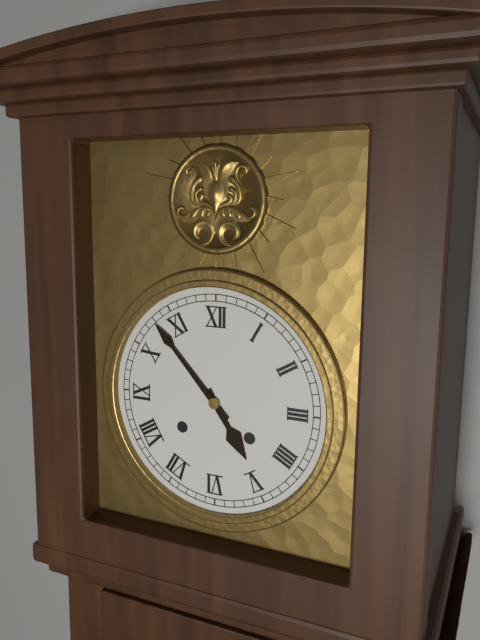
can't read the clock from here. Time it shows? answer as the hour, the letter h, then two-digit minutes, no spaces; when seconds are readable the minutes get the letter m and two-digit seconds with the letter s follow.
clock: 4h53
